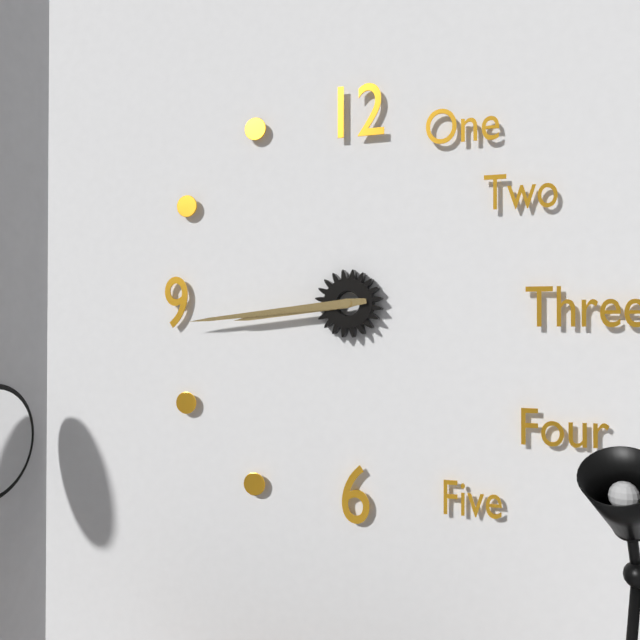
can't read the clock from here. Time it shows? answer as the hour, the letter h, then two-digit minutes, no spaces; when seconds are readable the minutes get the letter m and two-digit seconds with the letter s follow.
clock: 8h44
